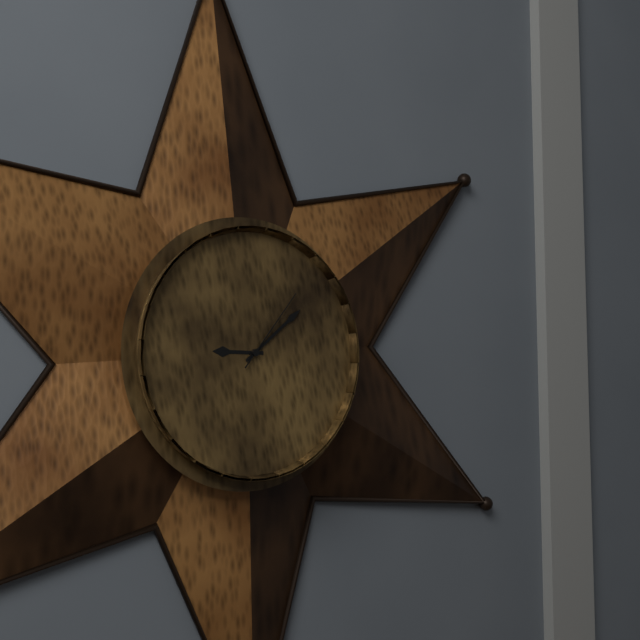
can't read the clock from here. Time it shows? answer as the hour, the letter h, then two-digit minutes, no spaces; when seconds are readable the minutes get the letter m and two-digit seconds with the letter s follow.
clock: 9h09m07s
